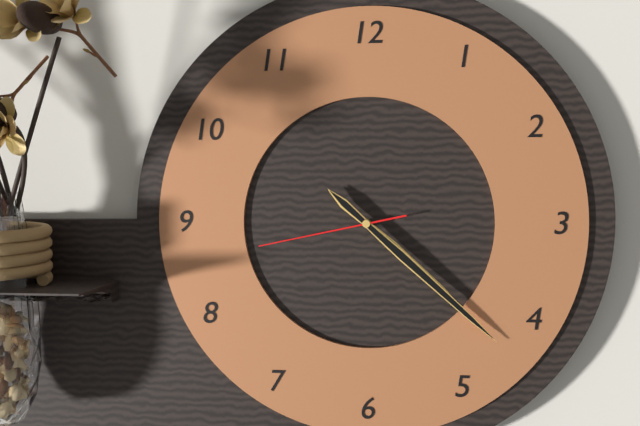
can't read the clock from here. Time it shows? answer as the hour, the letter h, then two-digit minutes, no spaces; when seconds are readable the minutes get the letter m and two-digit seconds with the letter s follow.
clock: 4h22m43s
